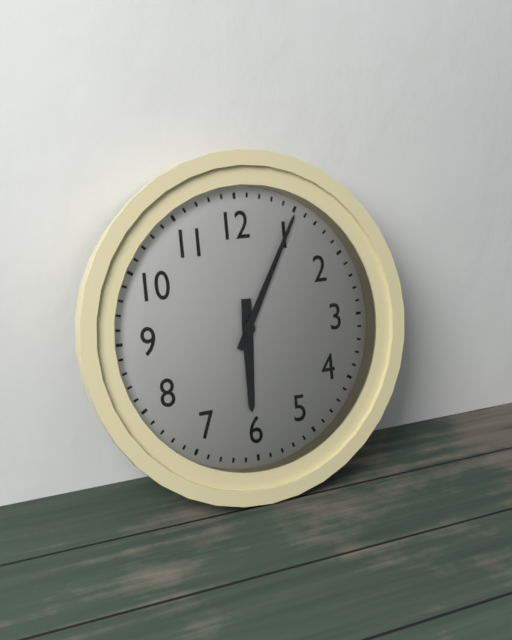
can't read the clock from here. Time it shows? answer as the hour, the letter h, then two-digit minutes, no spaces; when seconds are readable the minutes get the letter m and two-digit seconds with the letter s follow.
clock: 6h05
